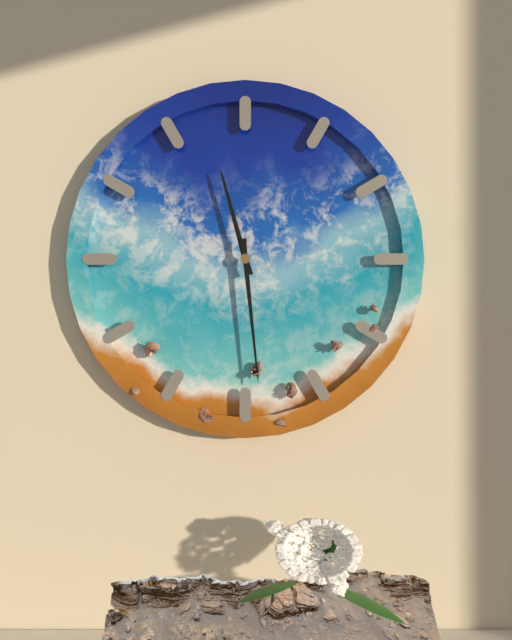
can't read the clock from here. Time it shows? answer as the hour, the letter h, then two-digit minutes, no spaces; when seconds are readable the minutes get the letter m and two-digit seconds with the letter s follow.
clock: 11h29
